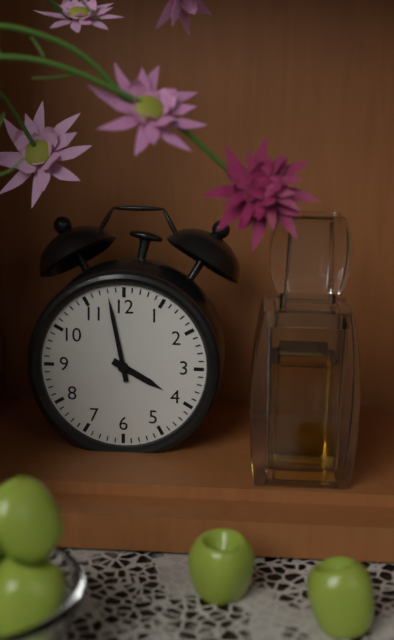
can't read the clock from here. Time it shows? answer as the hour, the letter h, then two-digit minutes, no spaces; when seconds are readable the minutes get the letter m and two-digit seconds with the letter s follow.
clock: 3h58
